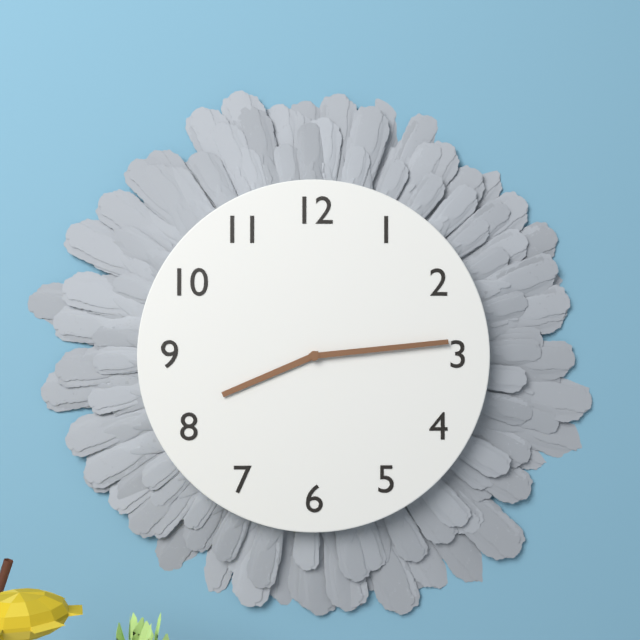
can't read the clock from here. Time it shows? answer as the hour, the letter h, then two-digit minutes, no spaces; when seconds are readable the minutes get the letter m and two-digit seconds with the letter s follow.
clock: 8h14
